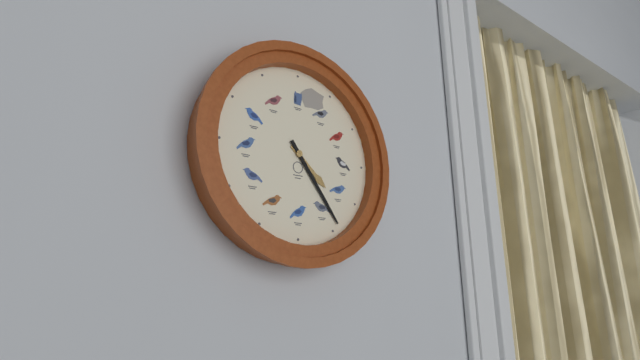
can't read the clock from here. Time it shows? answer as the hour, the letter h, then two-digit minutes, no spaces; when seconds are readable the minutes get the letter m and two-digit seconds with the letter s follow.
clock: 4h24
